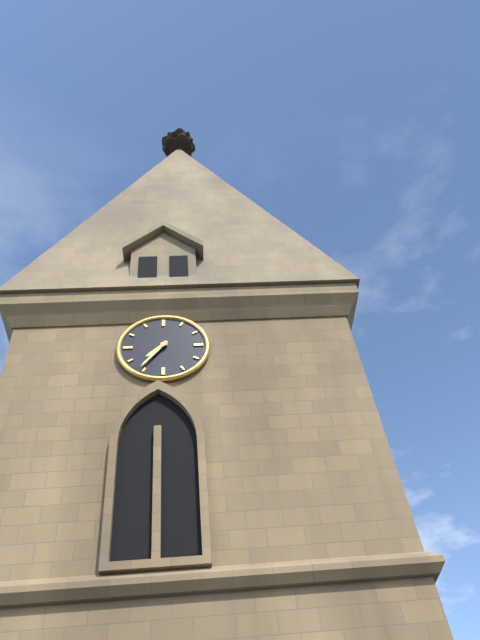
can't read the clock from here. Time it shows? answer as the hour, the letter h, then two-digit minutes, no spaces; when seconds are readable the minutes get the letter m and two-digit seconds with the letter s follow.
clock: 7h36
